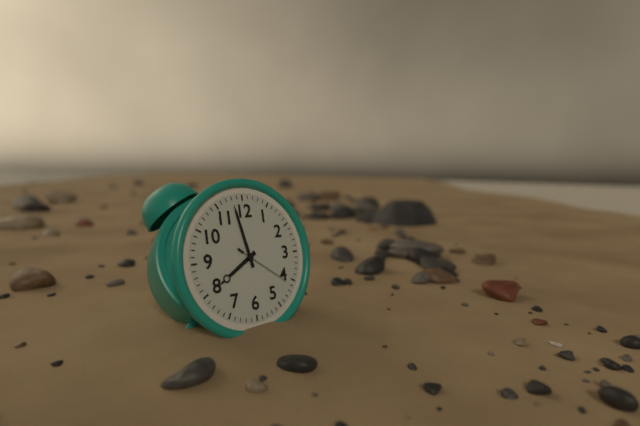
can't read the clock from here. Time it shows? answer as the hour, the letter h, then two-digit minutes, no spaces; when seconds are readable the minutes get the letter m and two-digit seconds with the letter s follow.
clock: 7h58m21s
